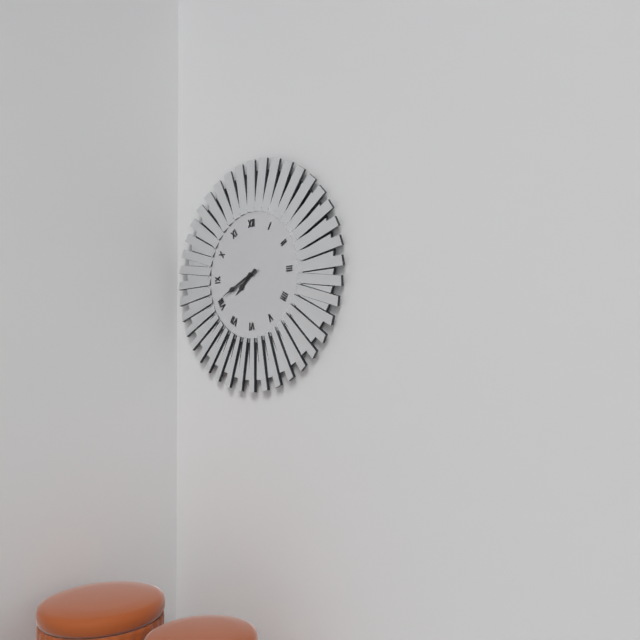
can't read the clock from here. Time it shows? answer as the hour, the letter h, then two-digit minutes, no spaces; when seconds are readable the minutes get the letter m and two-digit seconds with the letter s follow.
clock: 7h41
